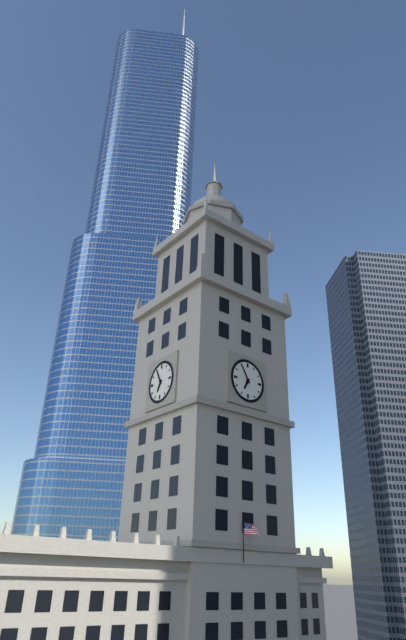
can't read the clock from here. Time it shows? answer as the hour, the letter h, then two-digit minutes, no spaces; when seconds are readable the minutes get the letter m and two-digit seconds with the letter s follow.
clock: 6h55
